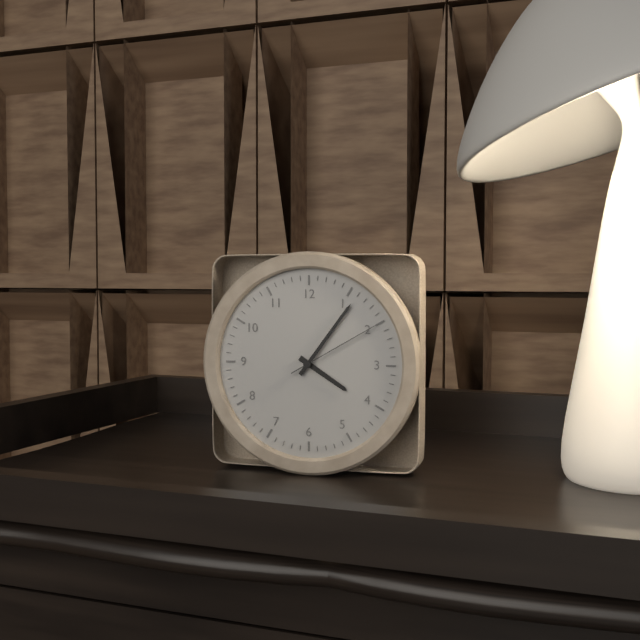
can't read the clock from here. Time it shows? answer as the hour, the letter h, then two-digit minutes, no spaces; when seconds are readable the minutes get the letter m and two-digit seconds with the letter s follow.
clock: 4h06m10s
